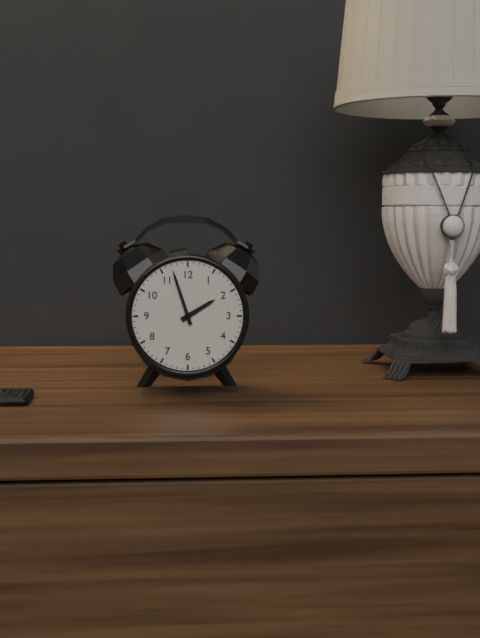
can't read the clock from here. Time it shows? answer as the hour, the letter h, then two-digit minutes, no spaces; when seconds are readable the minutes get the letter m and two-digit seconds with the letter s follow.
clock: 1h57
